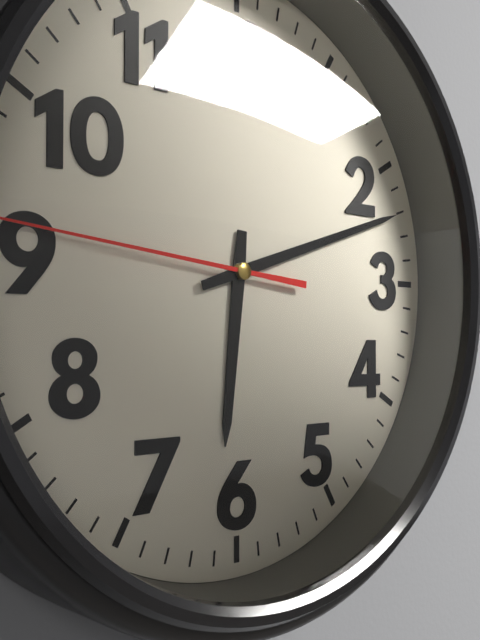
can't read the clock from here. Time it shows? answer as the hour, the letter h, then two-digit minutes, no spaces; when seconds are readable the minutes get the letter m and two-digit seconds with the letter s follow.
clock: 6h12
